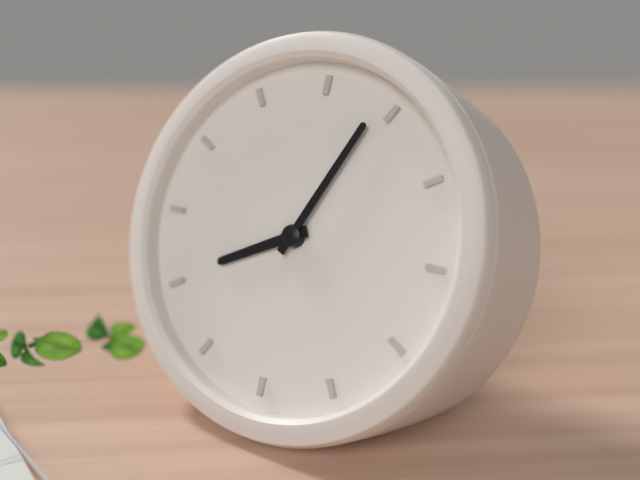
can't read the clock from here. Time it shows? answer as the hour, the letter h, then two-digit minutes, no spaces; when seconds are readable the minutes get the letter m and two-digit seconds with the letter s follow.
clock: 8h04
